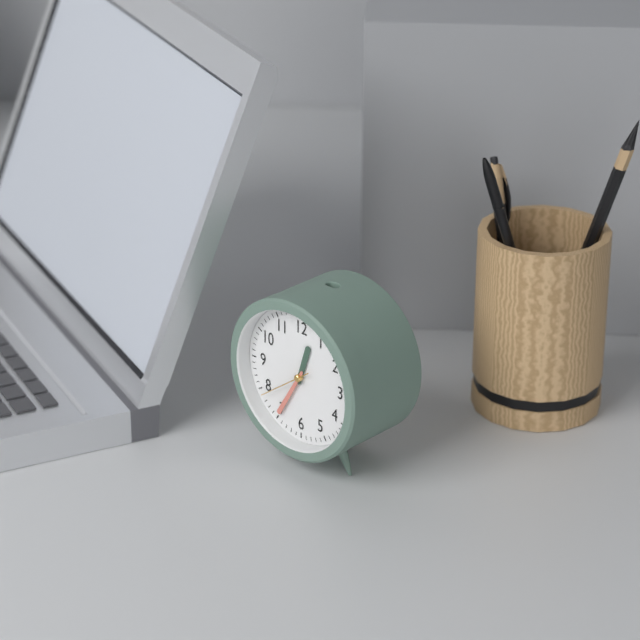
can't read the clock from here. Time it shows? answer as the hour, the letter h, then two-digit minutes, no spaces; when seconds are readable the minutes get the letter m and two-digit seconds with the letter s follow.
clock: 12h35m39s
